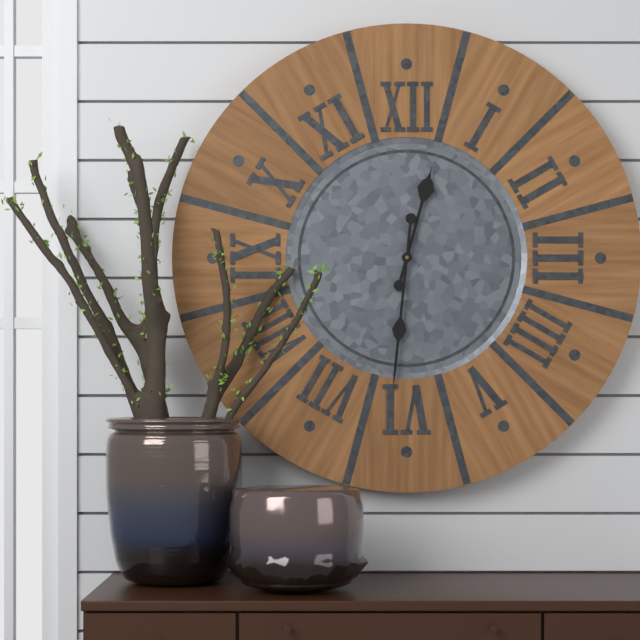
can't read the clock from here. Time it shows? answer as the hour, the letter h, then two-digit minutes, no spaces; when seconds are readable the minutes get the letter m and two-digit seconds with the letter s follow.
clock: 12h31
